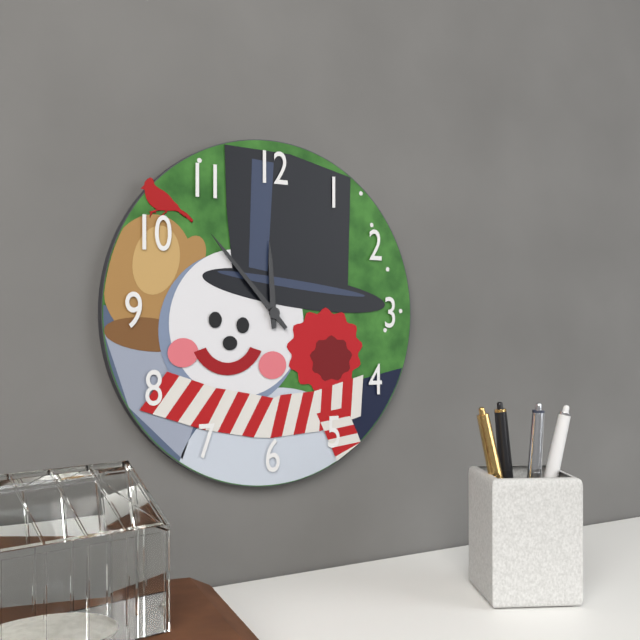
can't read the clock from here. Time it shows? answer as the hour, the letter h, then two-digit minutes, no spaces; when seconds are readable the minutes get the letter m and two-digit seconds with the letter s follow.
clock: 11h53
